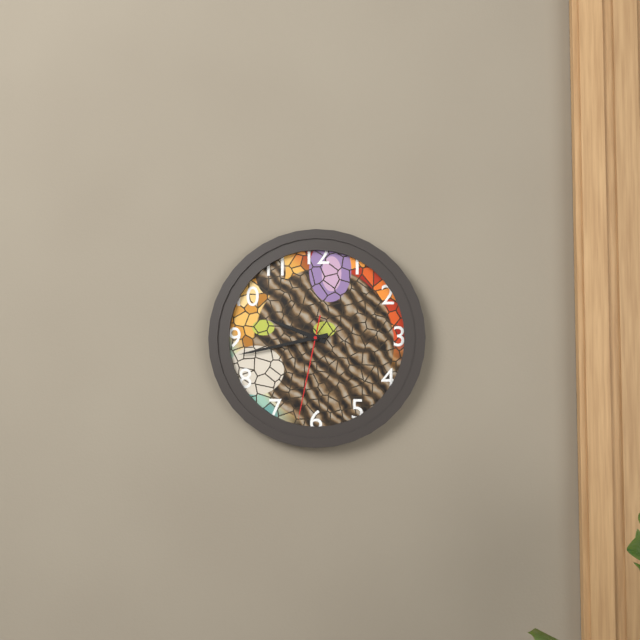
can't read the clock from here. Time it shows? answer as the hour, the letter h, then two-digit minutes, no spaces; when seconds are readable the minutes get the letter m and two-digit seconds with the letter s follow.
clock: 9h43m32s
